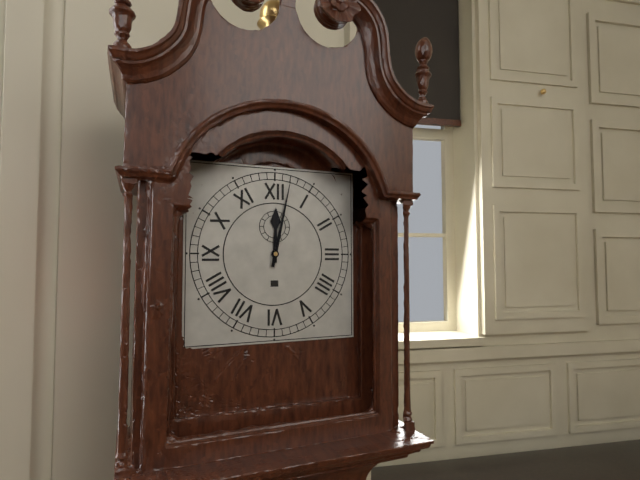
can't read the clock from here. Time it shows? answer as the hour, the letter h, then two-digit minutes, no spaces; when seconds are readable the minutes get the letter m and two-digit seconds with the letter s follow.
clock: 12h02
